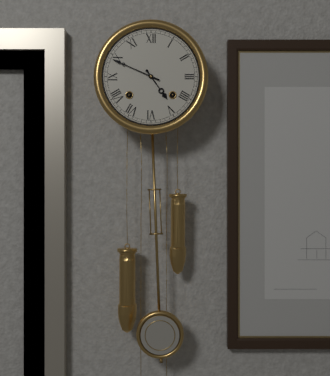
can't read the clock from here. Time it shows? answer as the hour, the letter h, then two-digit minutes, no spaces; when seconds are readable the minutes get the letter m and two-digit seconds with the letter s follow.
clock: 4h49
